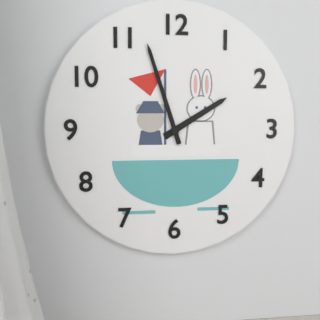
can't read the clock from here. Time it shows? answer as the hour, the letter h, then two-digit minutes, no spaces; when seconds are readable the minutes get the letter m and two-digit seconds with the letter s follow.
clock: 1h57
